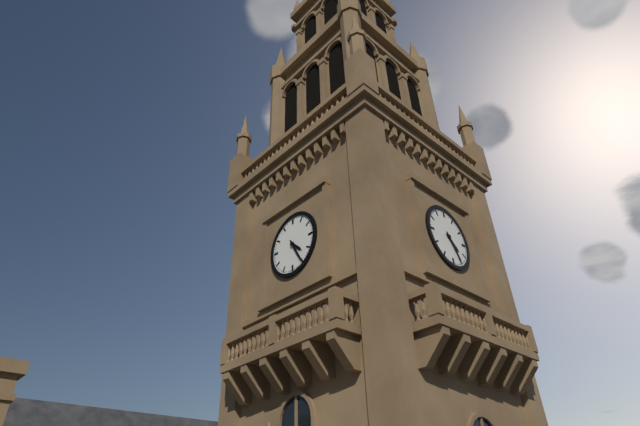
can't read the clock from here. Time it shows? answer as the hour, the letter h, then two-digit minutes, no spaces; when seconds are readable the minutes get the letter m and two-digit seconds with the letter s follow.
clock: 4h25
